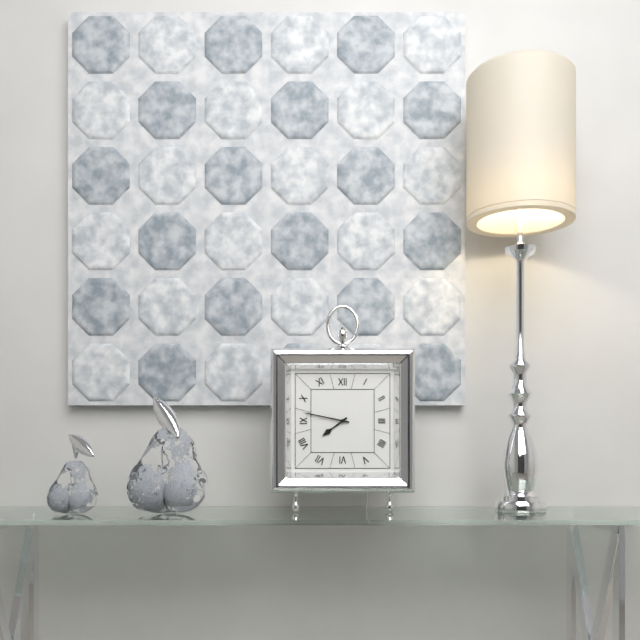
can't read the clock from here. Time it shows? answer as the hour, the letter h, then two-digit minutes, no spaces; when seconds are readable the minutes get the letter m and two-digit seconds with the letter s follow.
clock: 7h47
